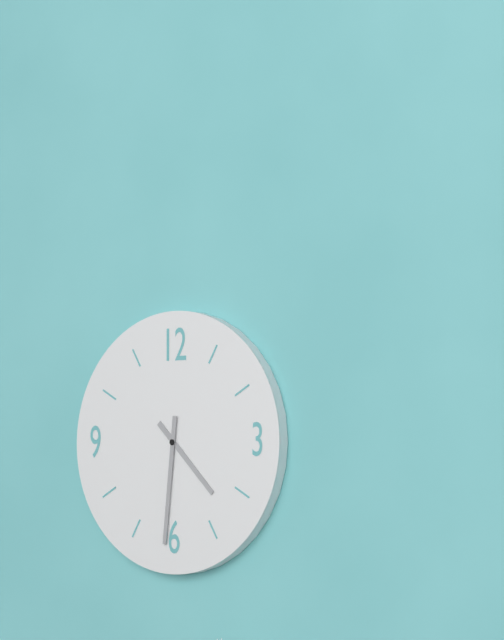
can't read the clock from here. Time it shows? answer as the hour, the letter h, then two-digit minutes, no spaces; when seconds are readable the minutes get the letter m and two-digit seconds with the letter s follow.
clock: 4h31
